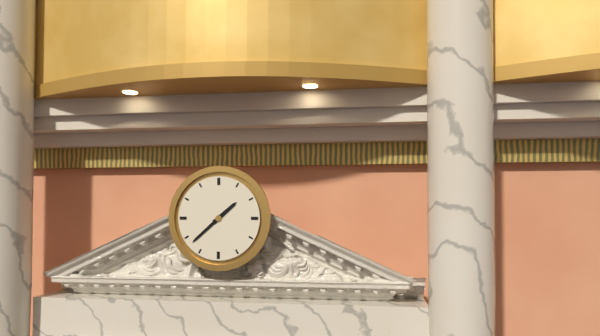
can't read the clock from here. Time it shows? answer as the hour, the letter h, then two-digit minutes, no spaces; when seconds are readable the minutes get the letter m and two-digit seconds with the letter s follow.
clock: 1h38
